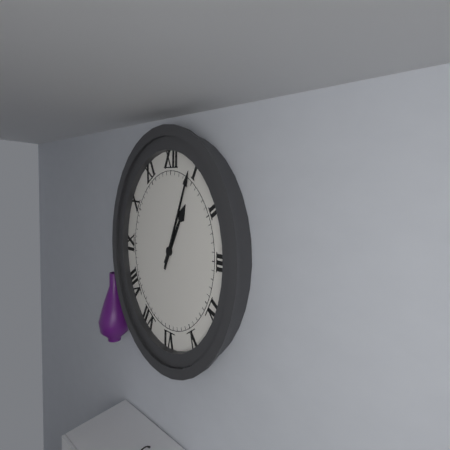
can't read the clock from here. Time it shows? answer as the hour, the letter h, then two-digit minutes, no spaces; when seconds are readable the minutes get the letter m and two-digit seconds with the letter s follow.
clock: 1h04
